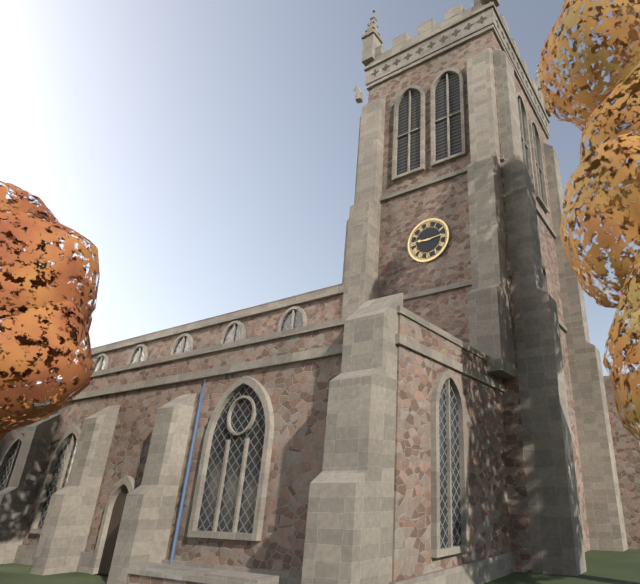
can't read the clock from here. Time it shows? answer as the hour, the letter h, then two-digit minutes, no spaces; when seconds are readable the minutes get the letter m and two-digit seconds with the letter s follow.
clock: 9h14
